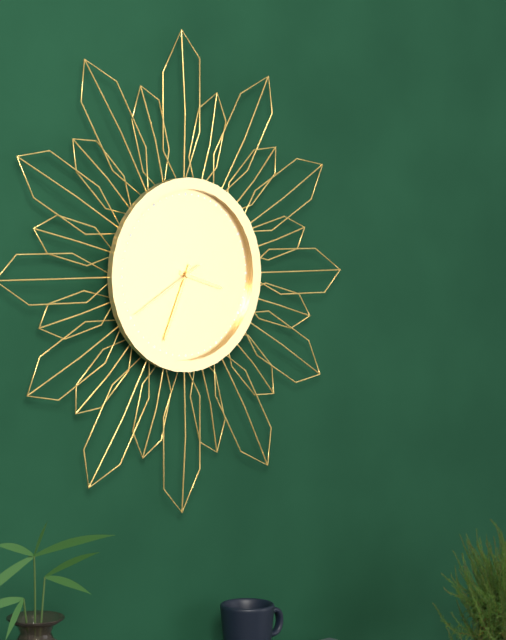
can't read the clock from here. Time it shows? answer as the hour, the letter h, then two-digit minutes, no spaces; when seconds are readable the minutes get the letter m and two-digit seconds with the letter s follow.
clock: 3h34m40s
